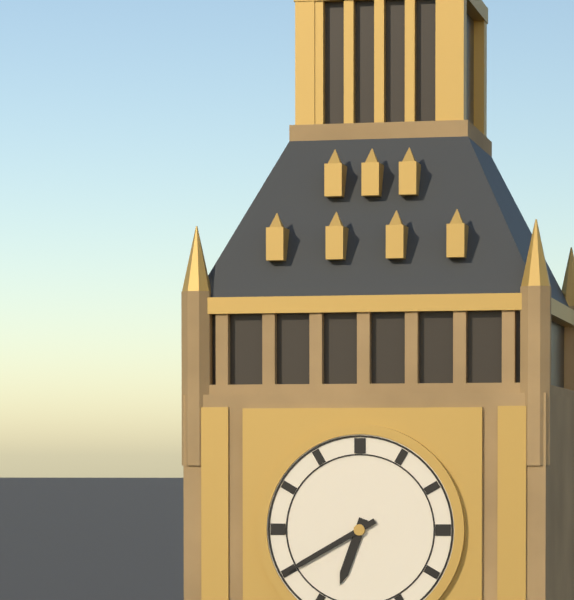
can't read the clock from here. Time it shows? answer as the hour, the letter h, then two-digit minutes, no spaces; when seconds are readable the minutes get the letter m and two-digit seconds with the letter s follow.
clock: 6h40
